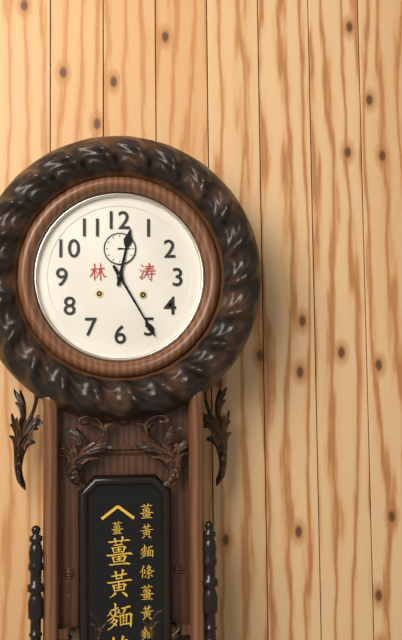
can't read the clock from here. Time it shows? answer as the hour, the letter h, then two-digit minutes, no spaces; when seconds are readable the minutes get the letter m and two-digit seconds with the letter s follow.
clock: 12h25
